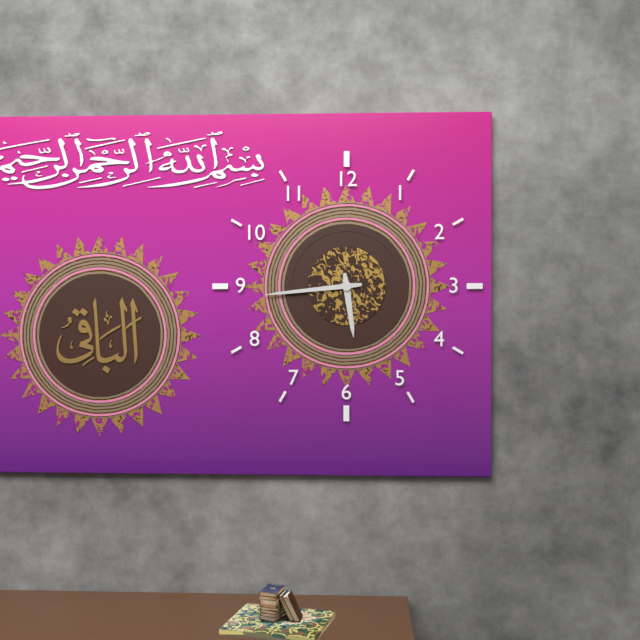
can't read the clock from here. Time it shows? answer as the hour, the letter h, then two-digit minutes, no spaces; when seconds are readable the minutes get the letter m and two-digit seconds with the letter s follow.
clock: 5h44
